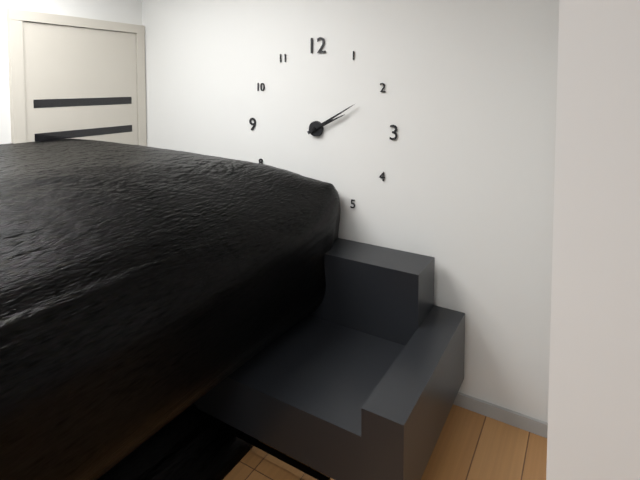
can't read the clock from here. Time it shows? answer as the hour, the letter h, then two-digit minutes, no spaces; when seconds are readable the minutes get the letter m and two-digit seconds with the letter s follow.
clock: 2h10
